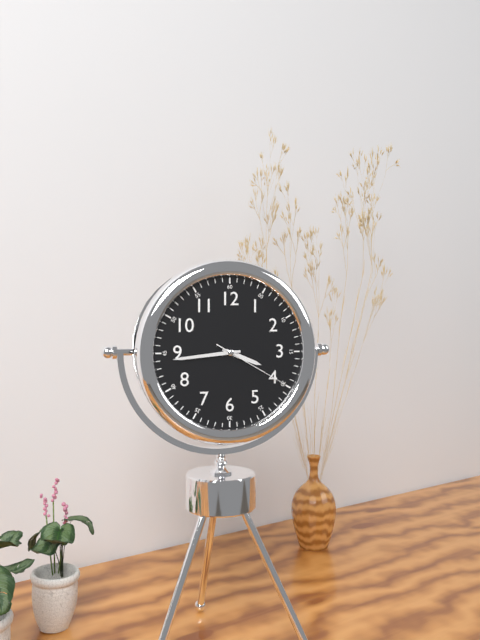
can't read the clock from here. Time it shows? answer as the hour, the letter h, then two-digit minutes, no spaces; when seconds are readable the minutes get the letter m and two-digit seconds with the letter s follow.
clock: 3h44m20s
